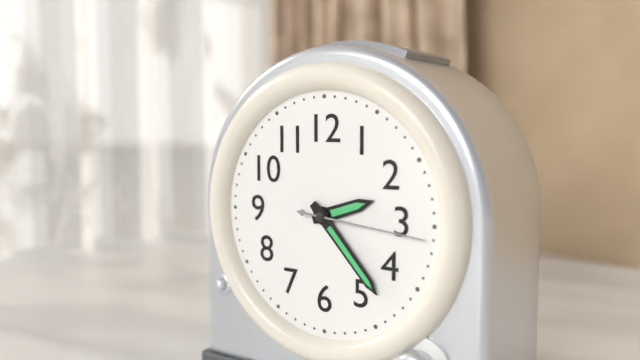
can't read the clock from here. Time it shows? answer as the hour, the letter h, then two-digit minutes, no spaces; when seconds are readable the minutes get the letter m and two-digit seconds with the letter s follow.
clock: 2h23m16s
